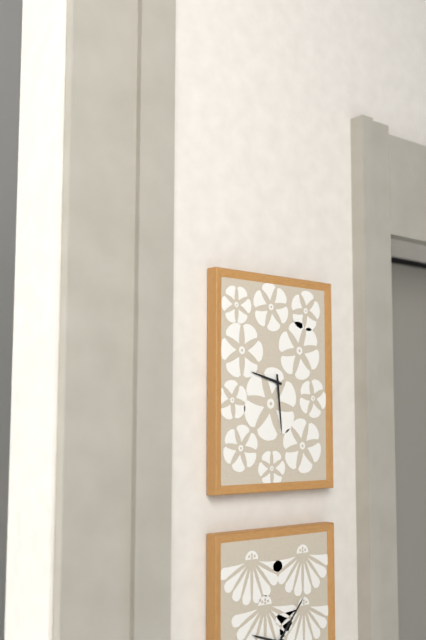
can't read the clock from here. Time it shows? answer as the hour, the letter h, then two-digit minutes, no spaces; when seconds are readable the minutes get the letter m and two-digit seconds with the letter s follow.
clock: 9h29
